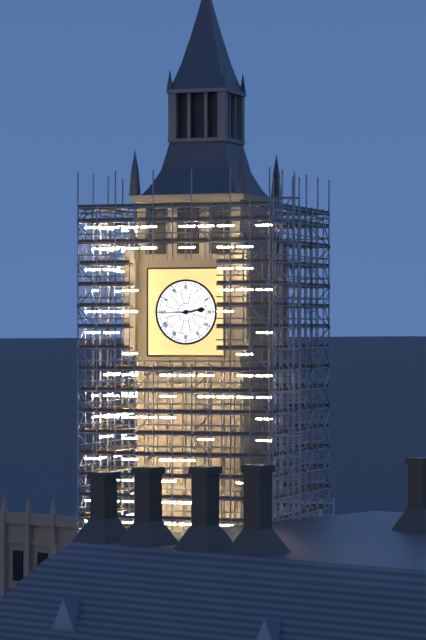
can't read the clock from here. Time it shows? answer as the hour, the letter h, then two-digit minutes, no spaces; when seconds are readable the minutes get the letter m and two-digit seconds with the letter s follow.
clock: 2h45
